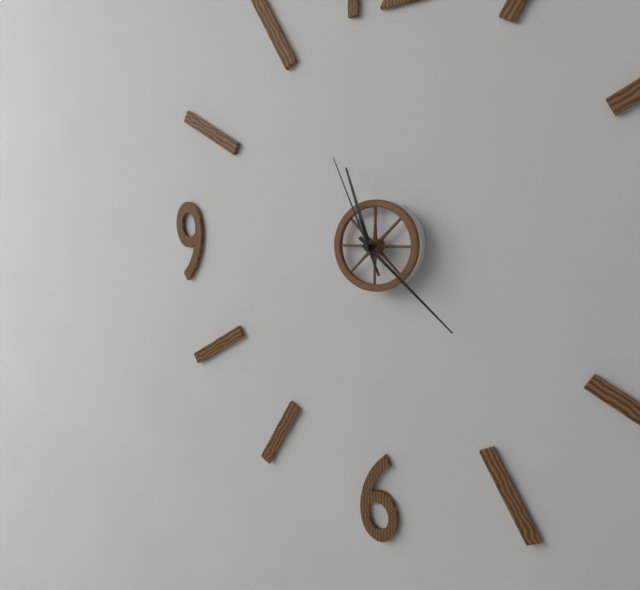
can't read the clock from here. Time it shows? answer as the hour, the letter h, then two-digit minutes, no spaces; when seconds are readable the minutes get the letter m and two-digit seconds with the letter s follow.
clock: 11h22m56s
